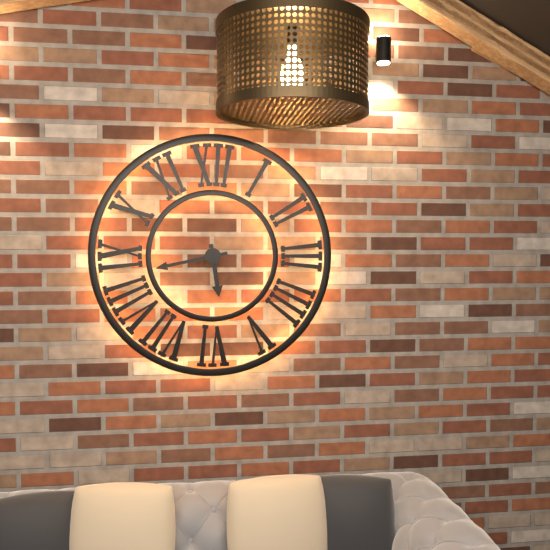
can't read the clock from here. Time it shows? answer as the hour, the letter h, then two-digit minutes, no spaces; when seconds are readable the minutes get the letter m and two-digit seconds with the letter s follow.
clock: 5h43
